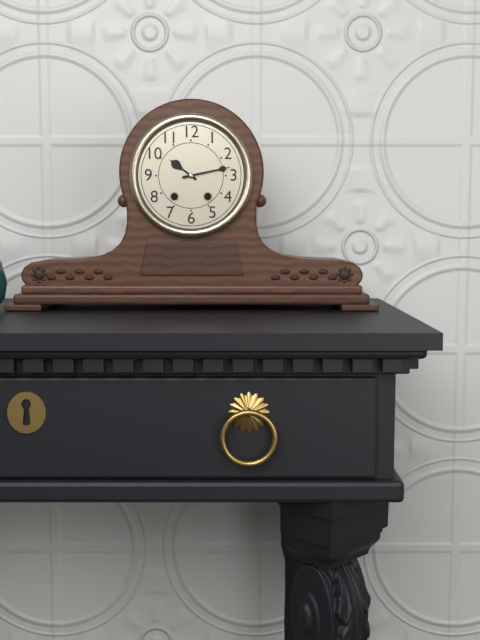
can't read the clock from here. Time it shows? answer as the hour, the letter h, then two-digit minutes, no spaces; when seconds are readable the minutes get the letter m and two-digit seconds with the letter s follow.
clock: 10h13
